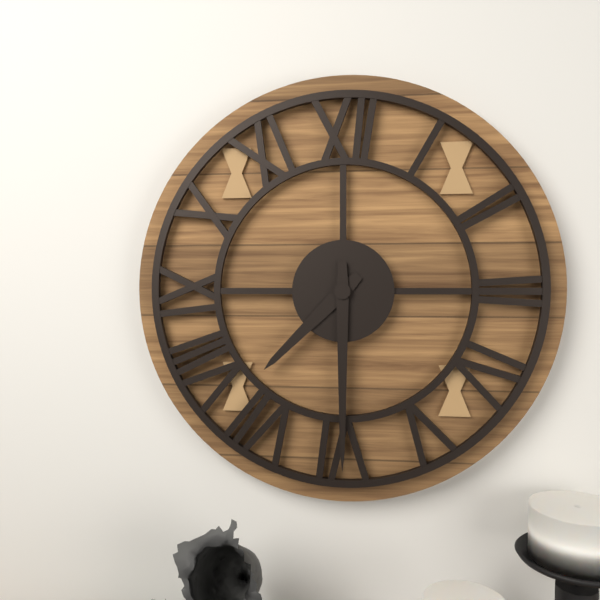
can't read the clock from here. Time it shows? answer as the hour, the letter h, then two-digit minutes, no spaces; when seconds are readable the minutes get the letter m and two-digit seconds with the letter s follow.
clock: 7h30
